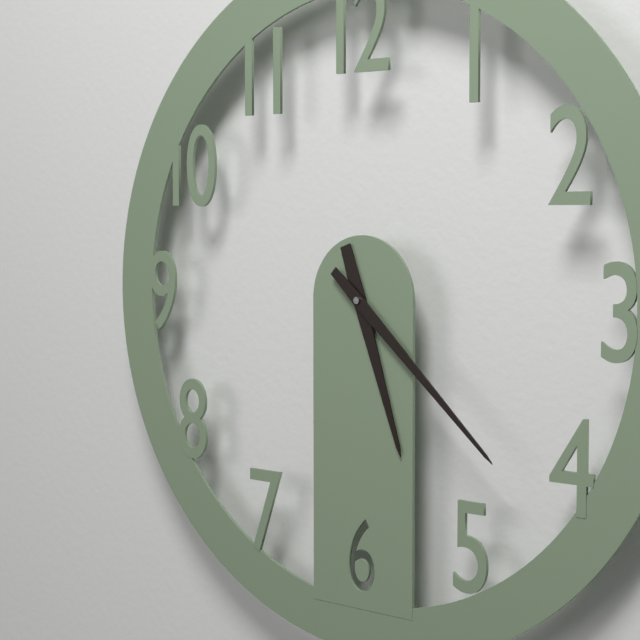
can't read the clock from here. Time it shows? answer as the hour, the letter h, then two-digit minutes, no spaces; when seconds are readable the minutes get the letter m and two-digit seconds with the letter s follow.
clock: 5h22
